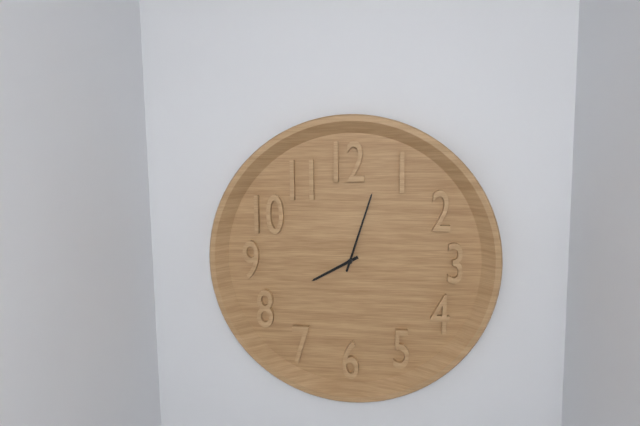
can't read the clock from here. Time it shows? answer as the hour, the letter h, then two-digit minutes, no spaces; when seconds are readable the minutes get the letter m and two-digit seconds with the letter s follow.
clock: 8h03
